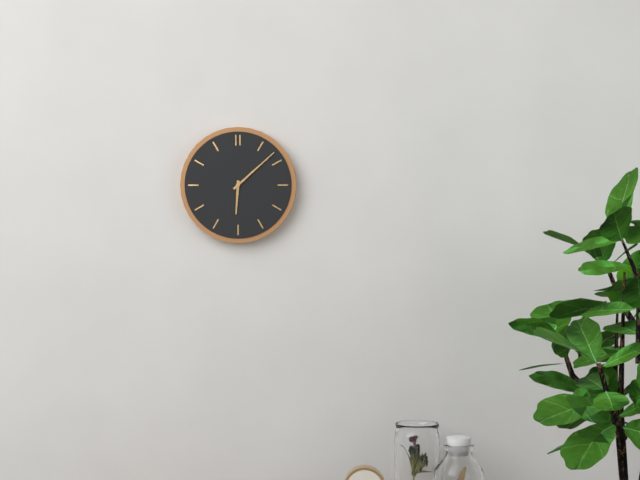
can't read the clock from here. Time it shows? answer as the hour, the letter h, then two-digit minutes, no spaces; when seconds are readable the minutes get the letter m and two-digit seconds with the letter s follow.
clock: 6h08
